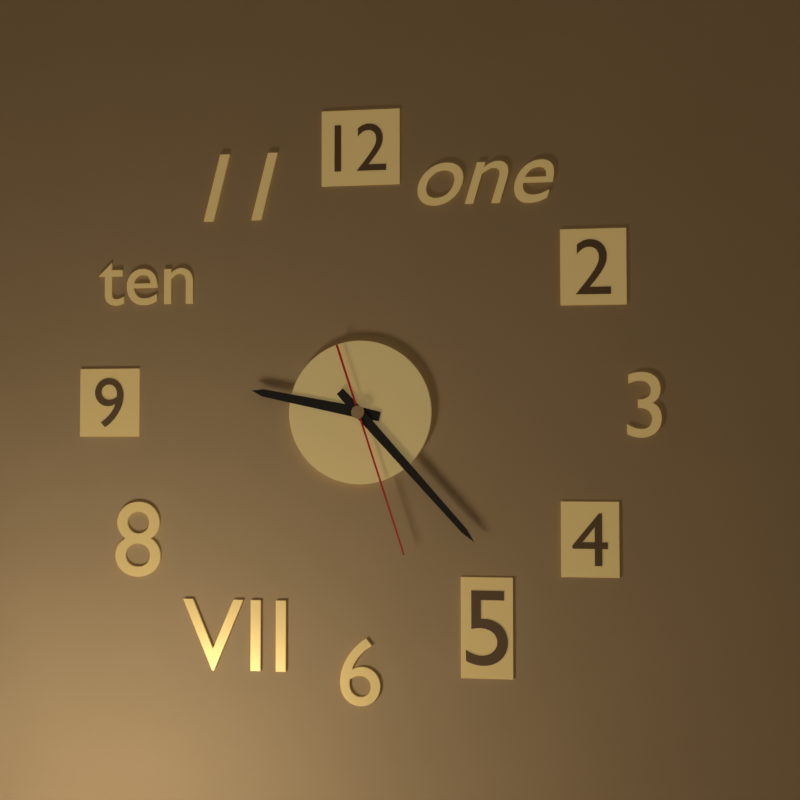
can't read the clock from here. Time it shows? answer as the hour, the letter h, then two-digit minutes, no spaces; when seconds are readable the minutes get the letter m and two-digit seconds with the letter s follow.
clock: 9h23m27s
